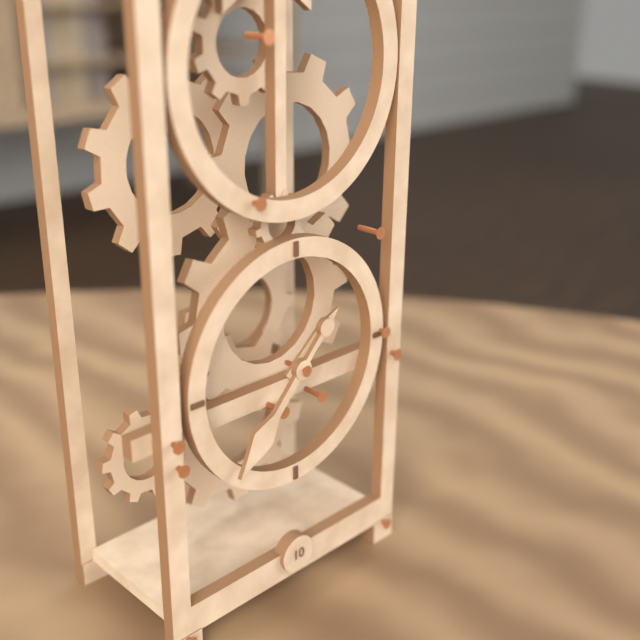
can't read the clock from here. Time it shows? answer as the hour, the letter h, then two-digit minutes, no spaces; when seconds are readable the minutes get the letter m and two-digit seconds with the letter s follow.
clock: 1h37
